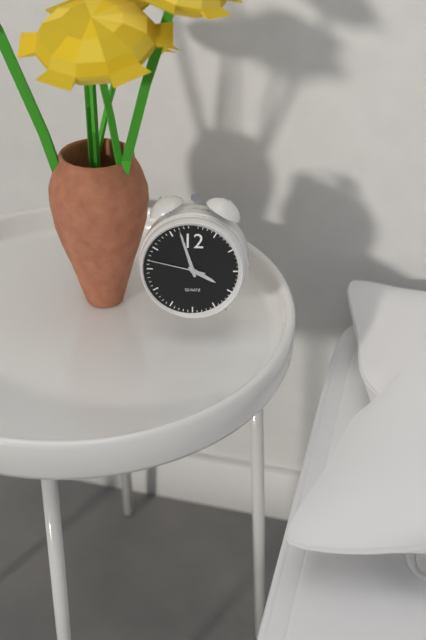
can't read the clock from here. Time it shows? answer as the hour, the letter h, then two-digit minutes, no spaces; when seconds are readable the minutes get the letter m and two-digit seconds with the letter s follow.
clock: 3h57m47s
